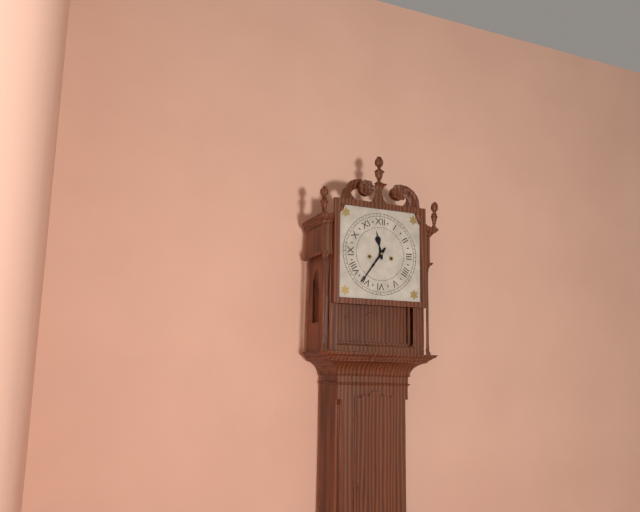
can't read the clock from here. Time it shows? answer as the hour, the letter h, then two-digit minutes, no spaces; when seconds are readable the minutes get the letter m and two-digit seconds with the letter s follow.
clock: 11h36
